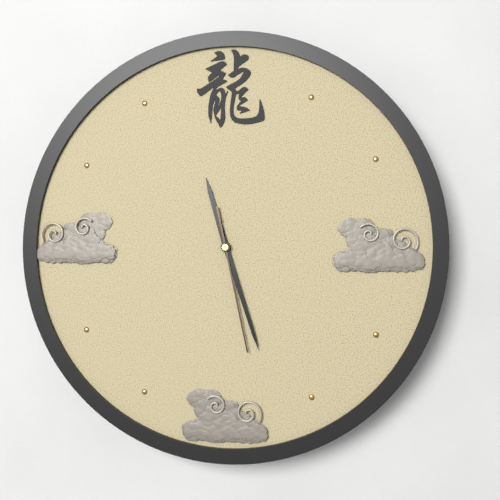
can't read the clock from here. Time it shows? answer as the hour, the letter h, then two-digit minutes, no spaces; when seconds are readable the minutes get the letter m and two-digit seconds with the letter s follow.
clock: 11h27m28s
